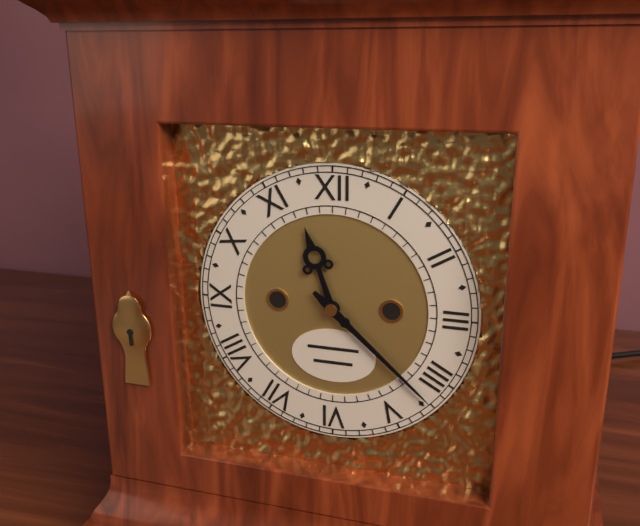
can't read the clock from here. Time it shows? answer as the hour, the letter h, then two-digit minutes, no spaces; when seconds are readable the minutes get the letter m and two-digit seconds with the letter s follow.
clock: 11h22
